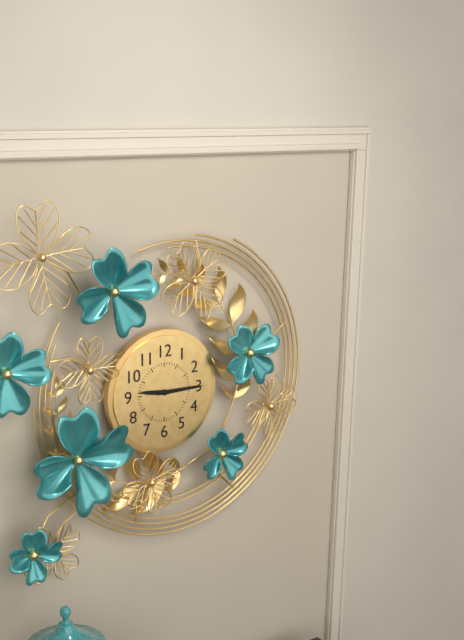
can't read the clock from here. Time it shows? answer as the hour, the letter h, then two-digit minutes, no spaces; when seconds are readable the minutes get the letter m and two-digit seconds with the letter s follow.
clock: 9h15
